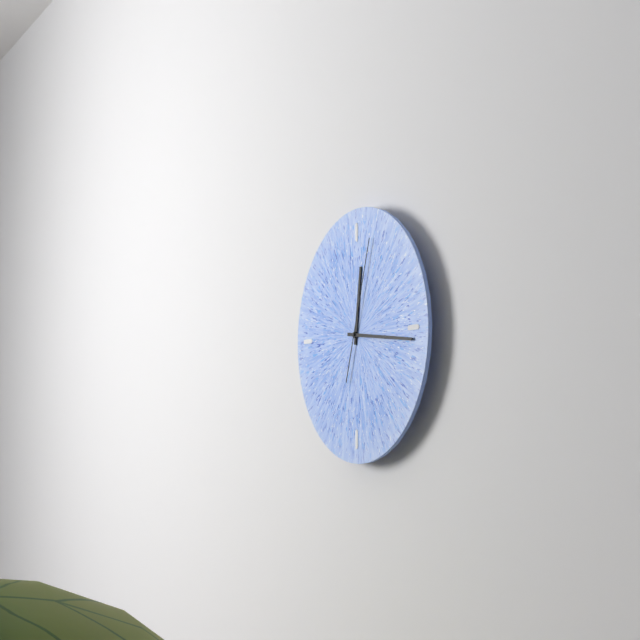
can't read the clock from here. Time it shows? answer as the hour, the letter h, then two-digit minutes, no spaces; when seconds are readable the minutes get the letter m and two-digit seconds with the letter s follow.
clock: 12h16m03s
